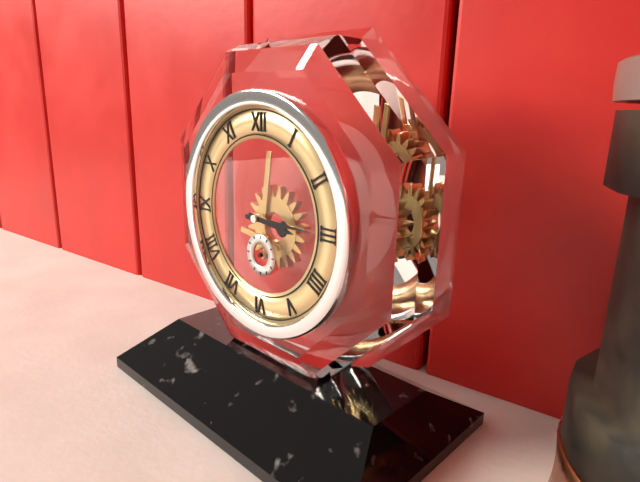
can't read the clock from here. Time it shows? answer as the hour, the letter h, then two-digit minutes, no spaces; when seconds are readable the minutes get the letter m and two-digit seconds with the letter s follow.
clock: 3h15
